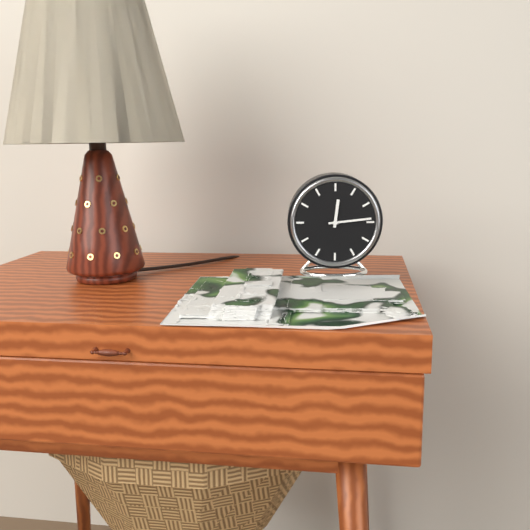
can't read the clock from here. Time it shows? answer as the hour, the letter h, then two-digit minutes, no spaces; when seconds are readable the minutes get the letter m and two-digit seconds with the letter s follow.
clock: 12h14
